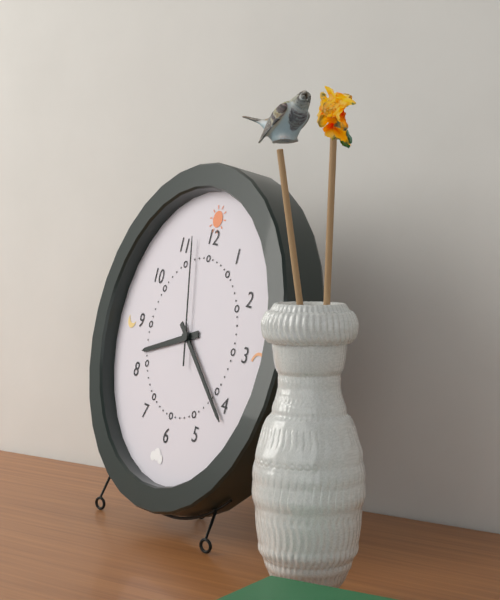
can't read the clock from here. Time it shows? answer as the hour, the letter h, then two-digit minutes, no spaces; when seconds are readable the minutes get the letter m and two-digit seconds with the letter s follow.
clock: 8h21m57s
